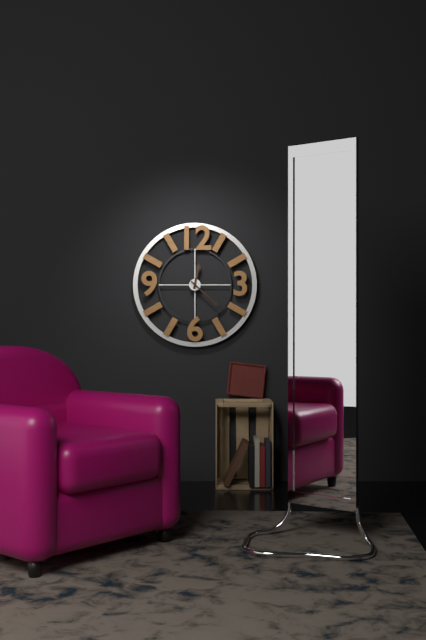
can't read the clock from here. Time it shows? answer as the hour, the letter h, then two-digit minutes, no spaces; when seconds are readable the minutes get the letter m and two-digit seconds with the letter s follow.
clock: 12h22
